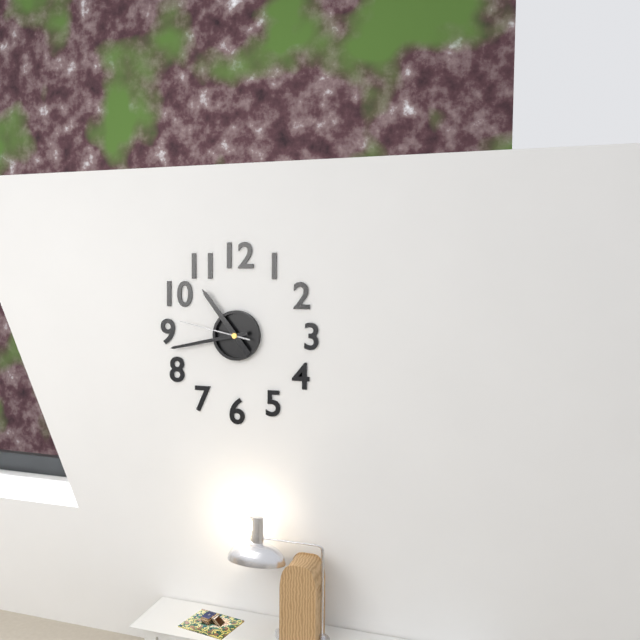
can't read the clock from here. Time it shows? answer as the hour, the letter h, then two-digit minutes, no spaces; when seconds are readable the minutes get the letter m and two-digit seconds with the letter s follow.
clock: 10h43m47s
